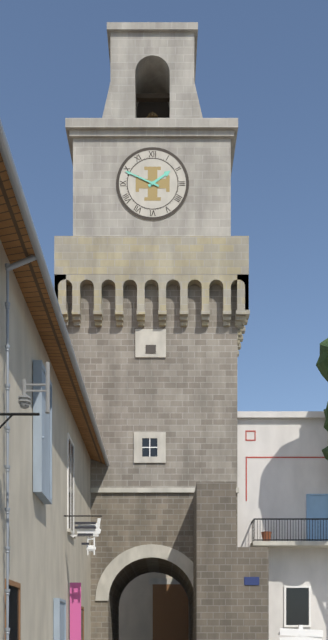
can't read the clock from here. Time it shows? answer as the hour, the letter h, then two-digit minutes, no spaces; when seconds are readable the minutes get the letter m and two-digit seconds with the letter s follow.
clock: 1h49
